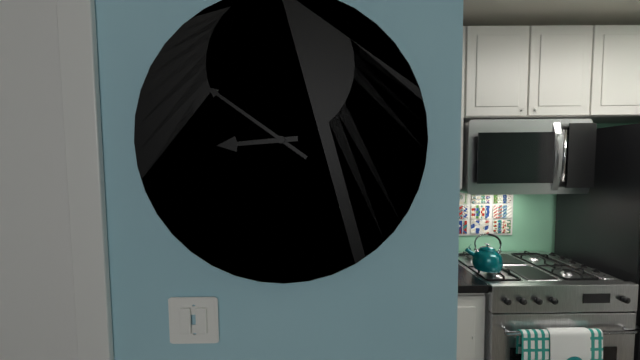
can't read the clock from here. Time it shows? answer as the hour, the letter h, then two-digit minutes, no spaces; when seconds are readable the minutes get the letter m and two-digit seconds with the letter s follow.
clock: 8h51
